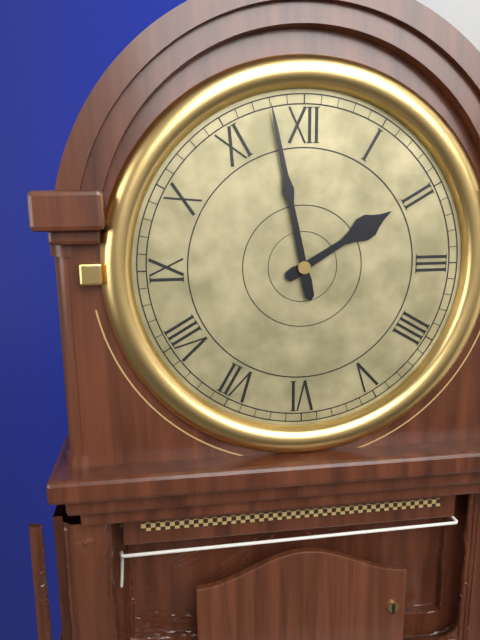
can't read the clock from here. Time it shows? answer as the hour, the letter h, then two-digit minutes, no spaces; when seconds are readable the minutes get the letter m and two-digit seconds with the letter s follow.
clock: 1h58
